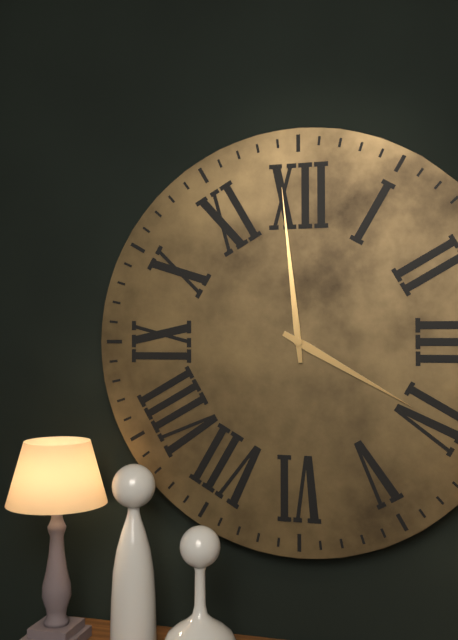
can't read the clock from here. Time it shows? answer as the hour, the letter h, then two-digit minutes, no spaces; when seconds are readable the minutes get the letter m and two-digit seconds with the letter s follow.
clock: 3h59
